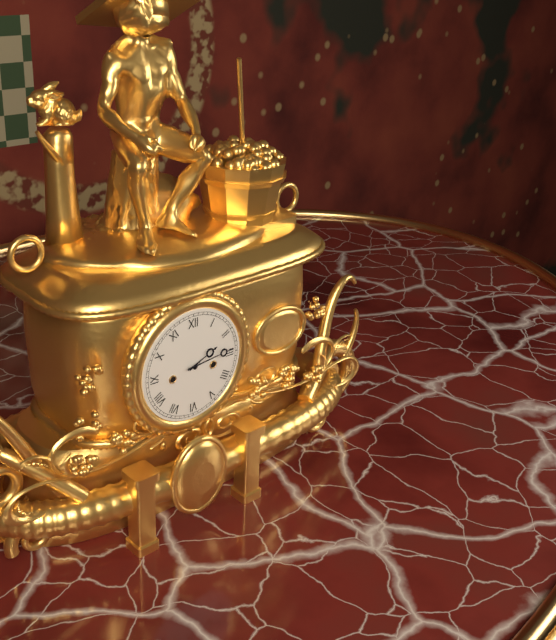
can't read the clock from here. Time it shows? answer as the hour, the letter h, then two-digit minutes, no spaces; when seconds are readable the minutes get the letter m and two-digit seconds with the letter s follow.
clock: 2h14
